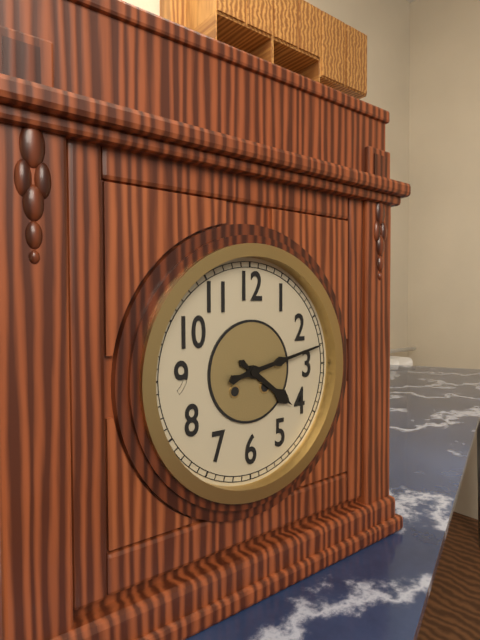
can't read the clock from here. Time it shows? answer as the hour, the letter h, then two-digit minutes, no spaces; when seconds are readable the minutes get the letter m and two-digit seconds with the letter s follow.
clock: 4h13
